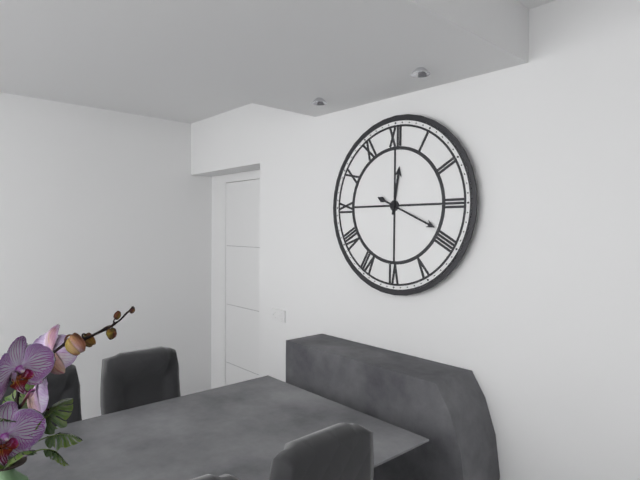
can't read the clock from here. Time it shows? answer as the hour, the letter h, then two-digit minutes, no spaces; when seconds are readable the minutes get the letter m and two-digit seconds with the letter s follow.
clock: 12h19
